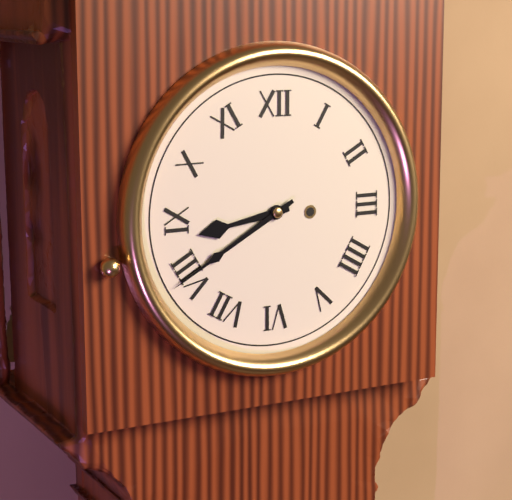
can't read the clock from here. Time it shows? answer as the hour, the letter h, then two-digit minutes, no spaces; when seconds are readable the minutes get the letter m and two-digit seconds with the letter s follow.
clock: 8h40
